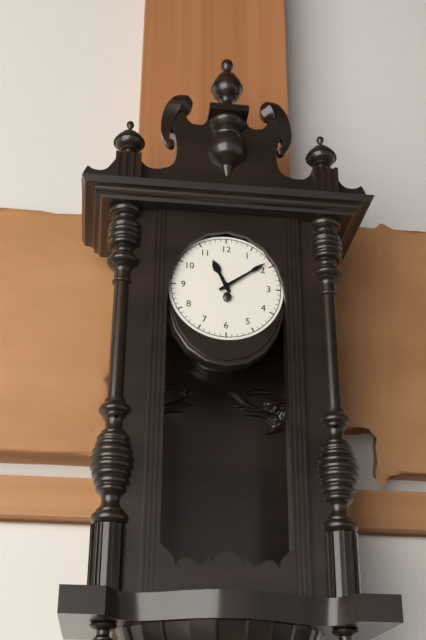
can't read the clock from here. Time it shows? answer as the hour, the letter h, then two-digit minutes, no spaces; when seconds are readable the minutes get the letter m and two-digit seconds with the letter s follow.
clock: 11h09
